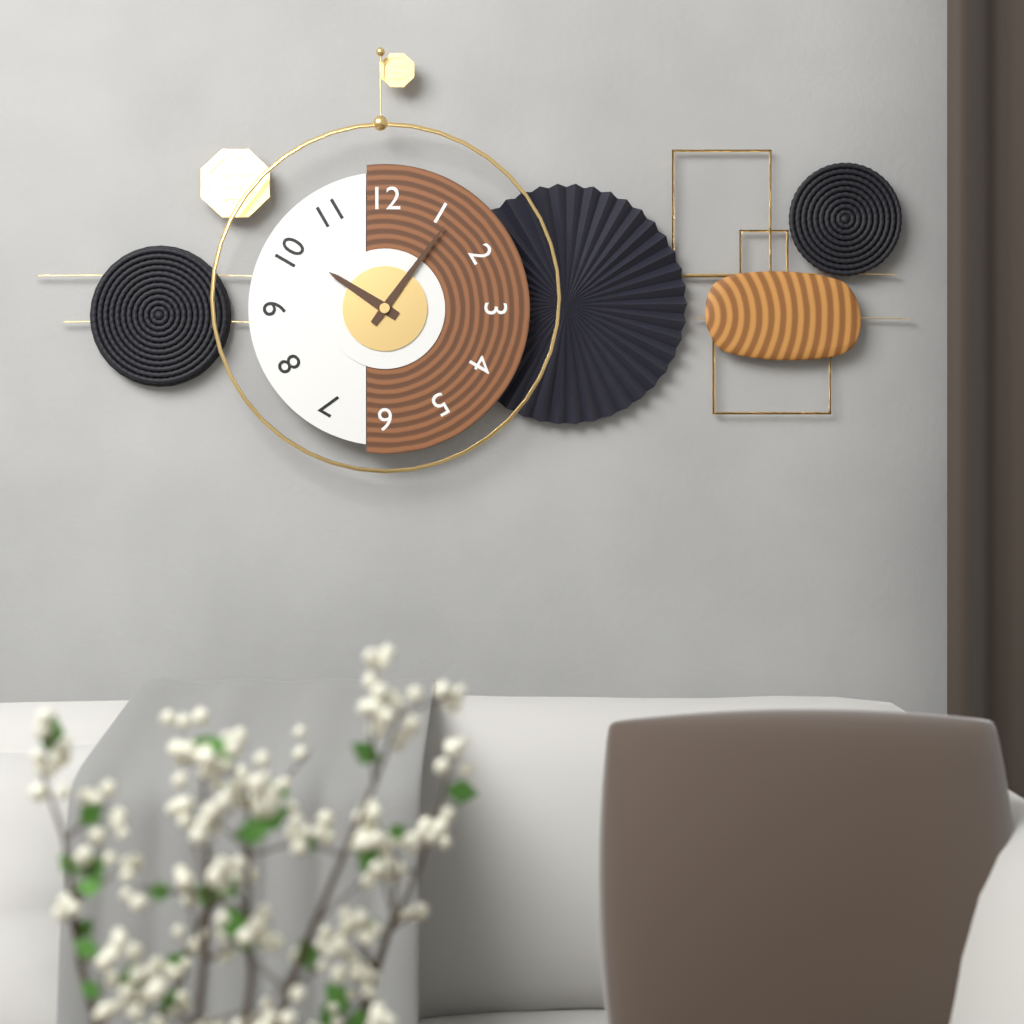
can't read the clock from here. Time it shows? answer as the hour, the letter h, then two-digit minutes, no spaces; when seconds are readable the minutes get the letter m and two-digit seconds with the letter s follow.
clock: 10h06
